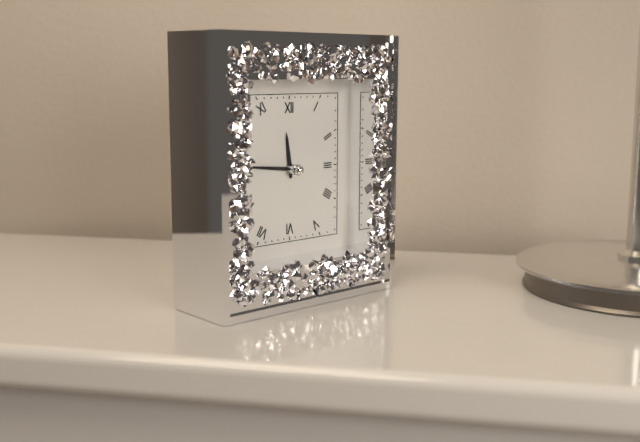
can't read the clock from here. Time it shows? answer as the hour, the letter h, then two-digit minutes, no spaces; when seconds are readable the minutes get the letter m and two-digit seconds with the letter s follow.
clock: 11h46
